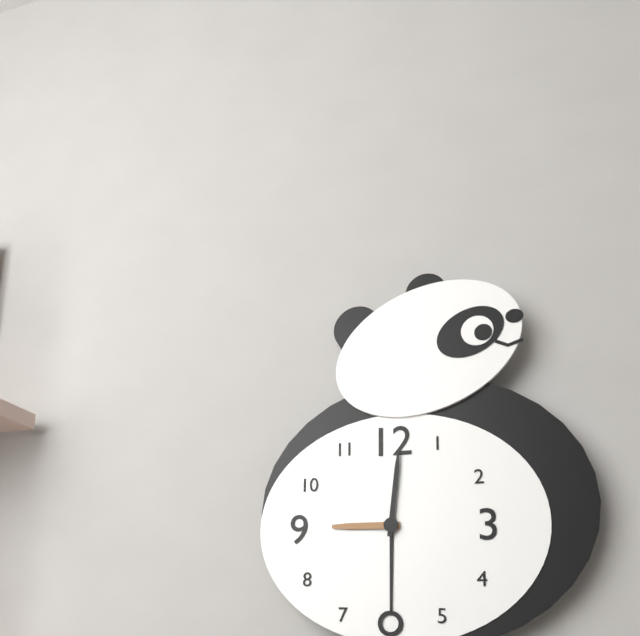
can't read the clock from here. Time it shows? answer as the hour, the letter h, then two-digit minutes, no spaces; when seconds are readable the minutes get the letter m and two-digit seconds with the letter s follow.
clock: 9h01
